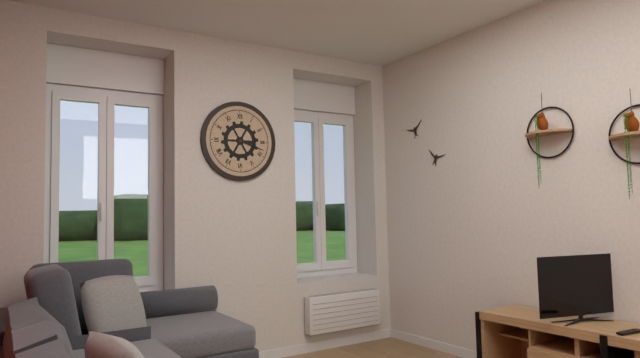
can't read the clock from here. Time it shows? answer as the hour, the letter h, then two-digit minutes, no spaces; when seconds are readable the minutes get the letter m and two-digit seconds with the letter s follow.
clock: 3h18
